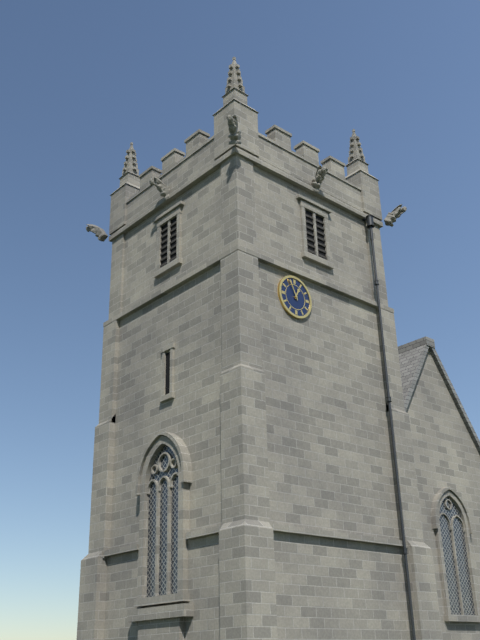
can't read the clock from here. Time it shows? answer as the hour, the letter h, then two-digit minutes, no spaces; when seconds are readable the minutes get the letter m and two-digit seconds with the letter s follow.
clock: 12h56
